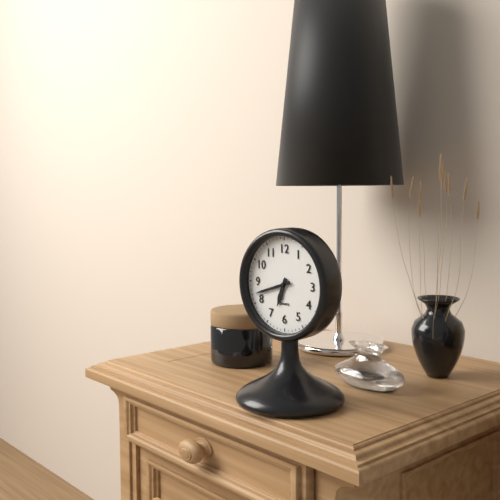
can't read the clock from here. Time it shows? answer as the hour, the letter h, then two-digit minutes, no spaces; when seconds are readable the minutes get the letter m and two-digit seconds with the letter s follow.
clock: 6h42
